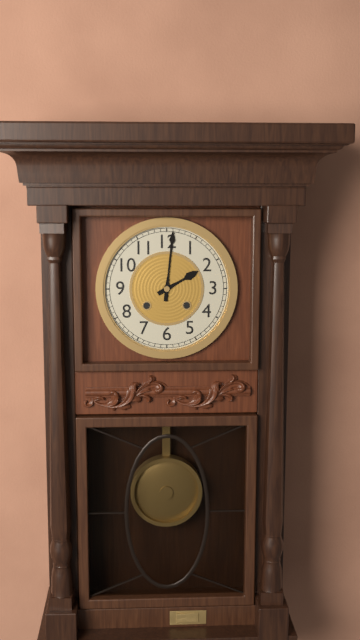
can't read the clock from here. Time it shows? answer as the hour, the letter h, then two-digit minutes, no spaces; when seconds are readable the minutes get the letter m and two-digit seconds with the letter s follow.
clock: 2h01
